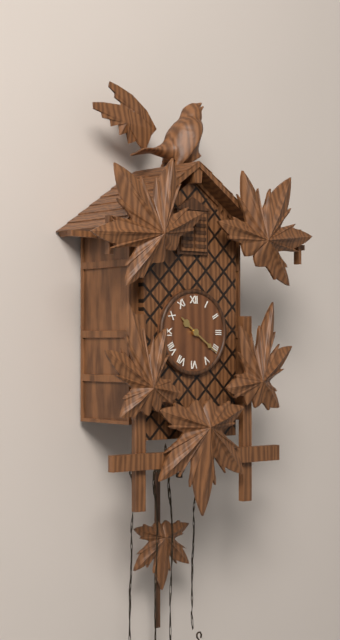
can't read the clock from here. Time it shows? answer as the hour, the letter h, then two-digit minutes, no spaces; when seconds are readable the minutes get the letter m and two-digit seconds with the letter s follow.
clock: 10h21
